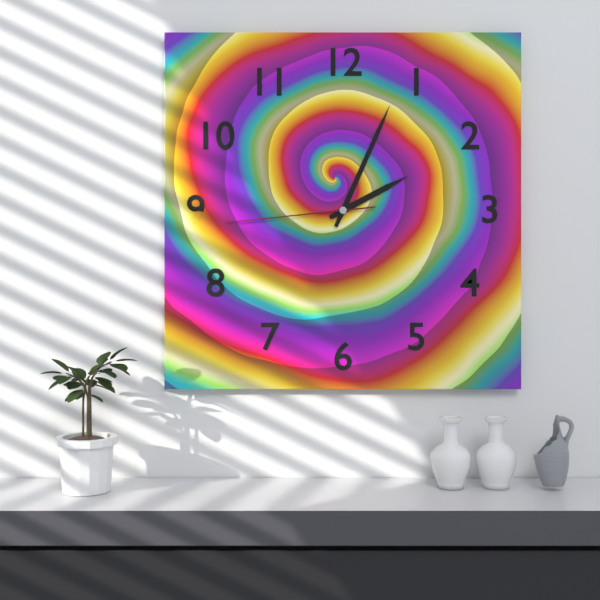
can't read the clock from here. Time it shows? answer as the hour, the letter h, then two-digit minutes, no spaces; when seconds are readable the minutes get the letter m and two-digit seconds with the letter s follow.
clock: 2h04m44s
